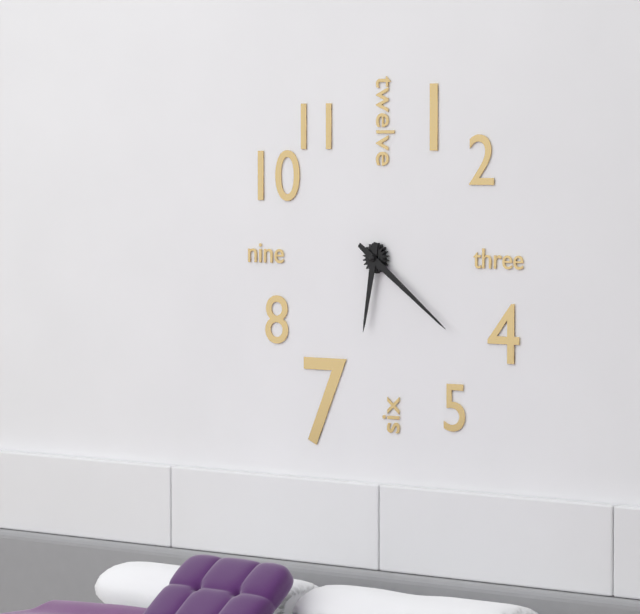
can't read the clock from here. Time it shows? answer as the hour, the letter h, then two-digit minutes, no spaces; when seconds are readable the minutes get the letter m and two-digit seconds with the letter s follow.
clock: 6h21
